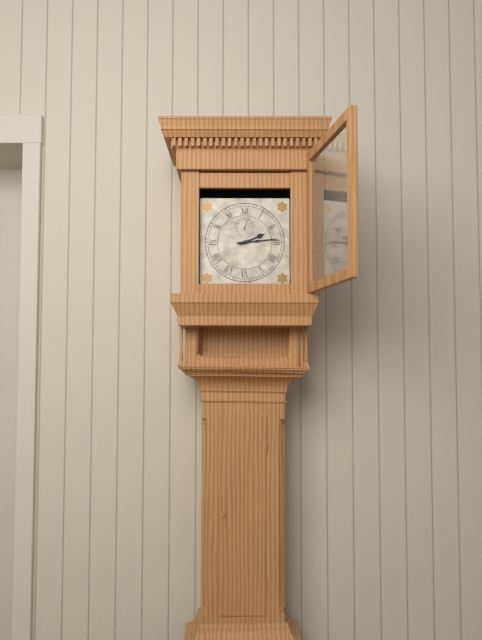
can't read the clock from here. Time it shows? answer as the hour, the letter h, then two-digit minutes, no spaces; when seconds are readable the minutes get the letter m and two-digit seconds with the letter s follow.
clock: 2h14
